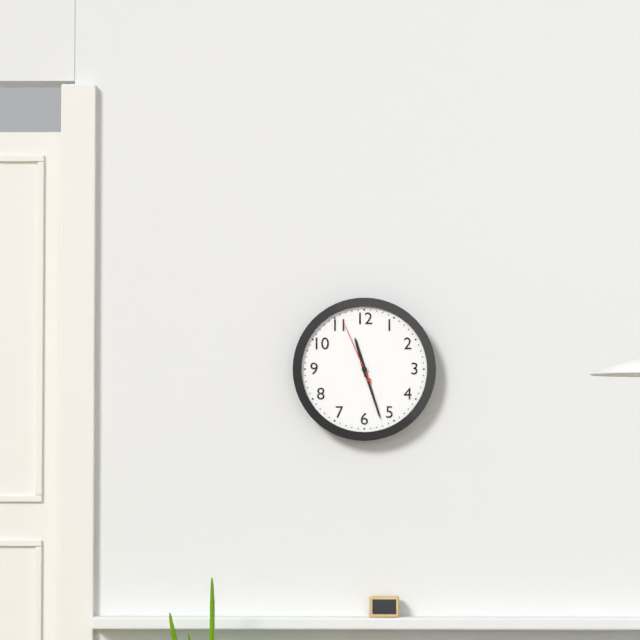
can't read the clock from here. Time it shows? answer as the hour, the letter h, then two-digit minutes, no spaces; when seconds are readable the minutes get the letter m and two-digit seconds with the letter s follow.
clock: 11h27m56s
